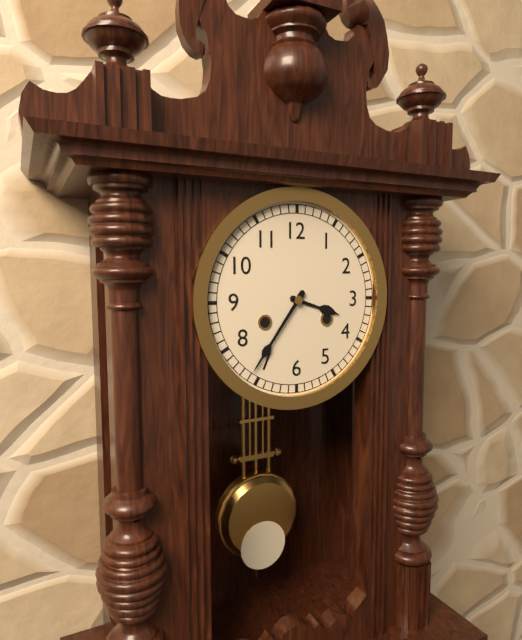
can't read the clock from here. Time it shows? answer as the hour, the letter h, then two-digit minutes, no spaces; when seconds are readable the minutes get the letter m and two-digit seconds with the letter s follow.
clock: 3h36
